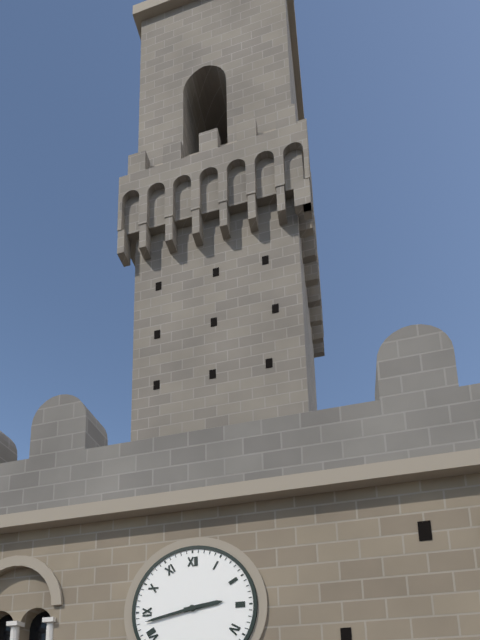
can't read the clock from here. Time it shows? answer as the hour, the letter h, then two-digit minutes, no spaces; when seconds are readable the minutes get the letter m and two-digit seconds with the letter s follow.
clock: 2h43
